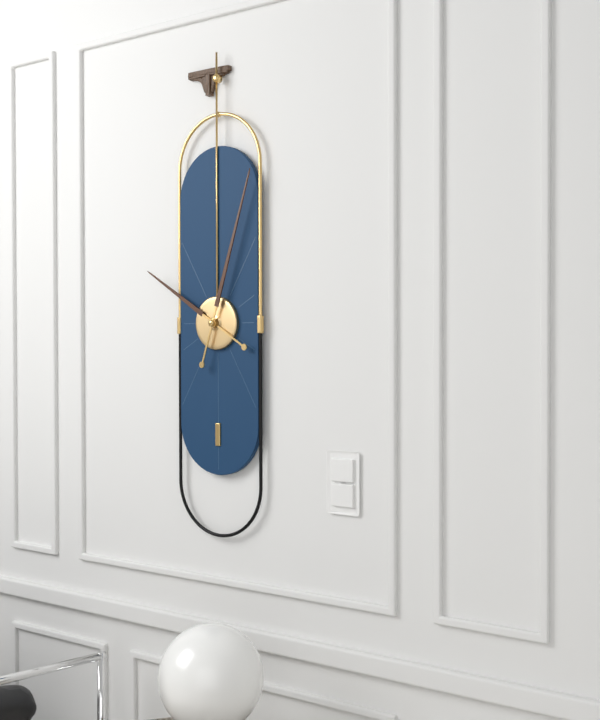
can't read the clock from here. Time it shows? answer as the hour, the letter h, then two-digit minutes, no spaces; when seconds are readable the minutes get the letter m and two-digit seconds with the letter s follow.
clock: 10h03
